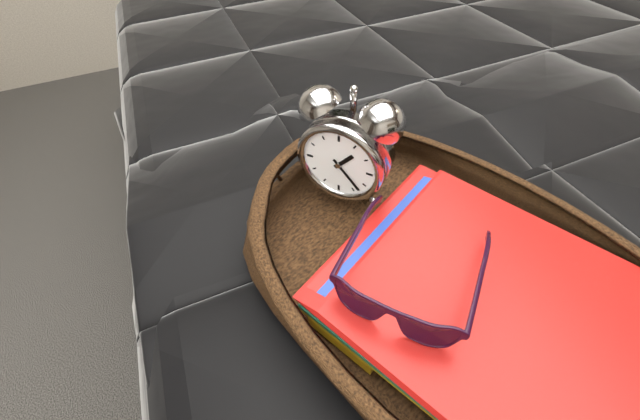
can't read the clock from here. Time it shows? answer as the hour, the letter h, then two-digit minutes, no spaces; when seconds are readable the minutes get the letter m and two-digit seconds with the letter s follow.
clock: 1h23
